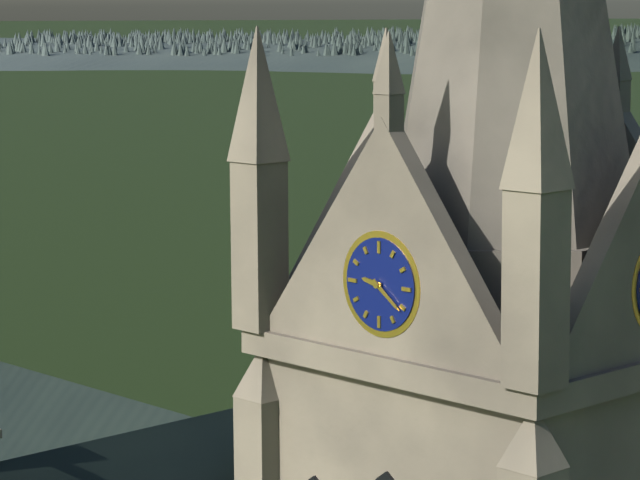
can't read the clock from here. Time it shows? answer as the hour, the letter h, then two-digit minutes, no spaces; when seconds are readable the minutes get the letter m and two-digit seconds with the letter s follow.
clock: 9h21
